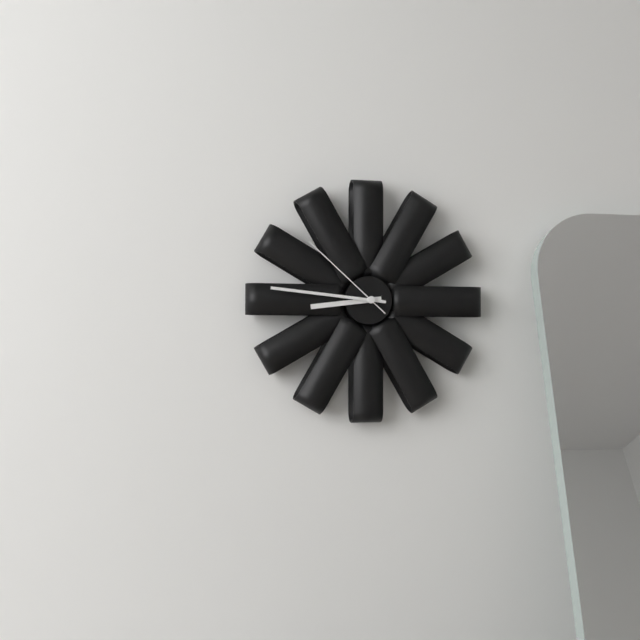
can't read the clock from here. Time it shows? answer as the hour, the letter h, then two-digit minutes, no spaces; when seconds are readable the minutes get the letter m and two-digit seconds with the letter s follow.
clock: 8h46m52s
